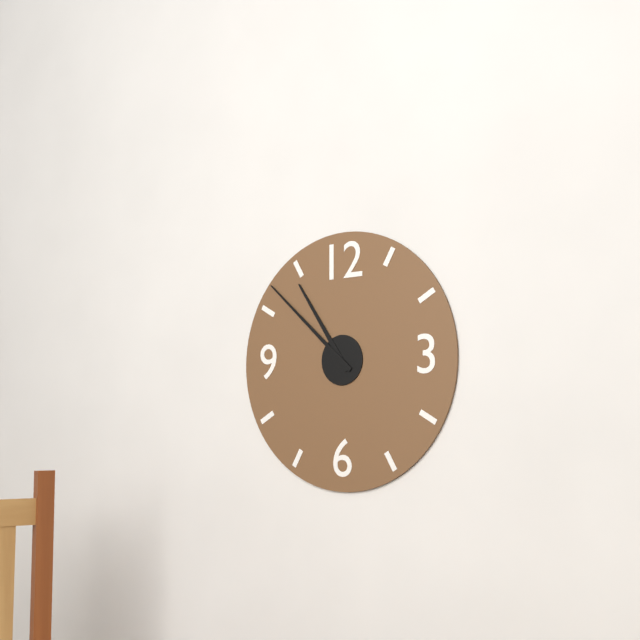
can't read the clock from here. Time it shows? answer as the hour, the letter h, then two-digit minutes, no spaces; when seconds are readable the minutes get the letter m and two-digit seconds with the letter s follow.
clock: 10h52
